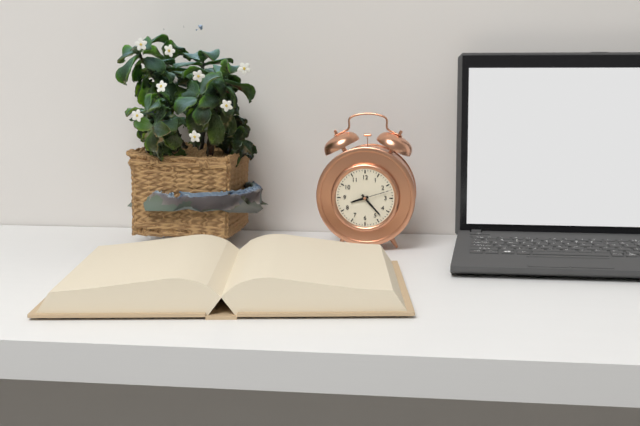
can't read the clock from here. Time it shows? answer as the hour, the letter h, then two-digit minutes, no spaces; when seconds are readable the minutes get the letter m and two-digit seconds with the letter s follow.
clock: 8h23
